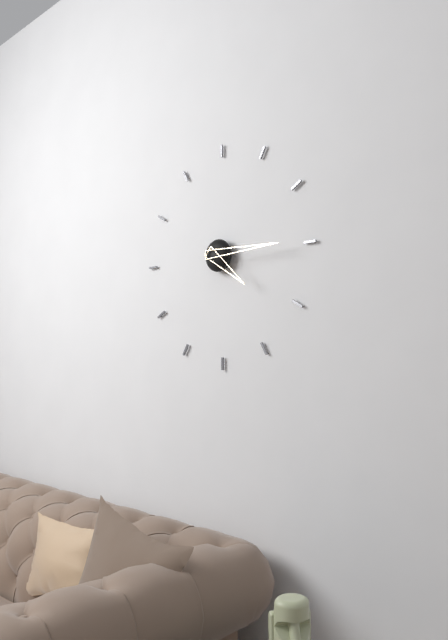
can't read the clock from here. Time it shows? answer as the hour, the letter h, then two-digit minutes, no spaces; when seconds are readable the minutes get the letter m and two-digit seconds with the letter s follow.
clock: 4h15
